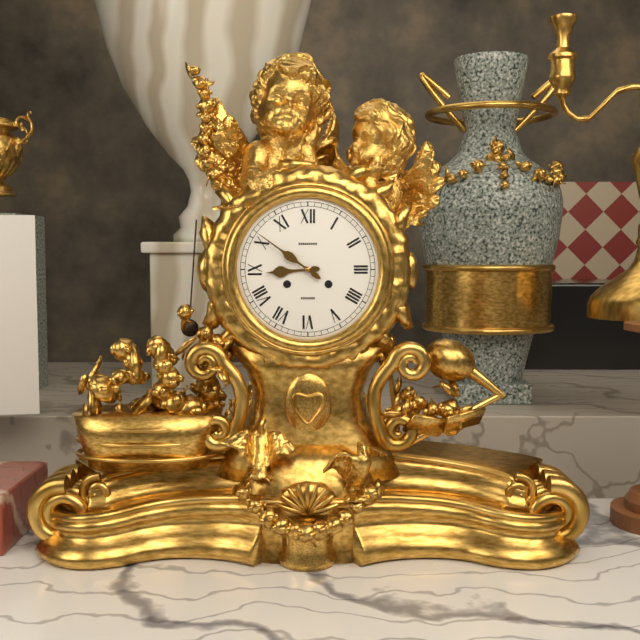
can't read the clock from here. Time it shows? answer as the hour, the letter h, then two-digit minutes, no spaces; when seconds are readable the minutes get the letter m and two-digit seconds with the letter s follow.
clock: 8h51
